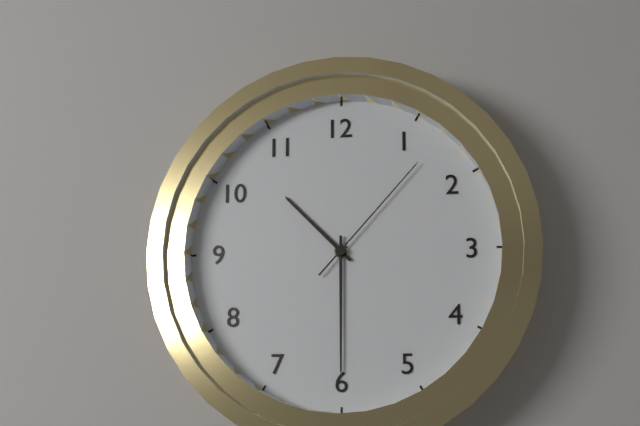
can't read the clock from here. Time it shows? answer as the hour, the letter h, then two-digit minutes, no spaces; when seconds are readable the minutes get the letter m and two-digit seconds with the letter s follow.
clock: 10h30m07s
